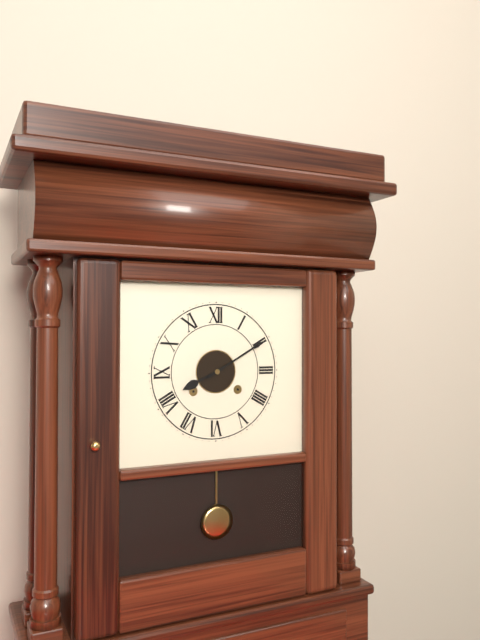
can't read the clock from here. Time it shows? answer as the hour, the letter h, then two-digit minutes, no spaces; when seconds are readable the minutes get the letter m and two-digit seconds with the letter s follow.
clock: 8h10
